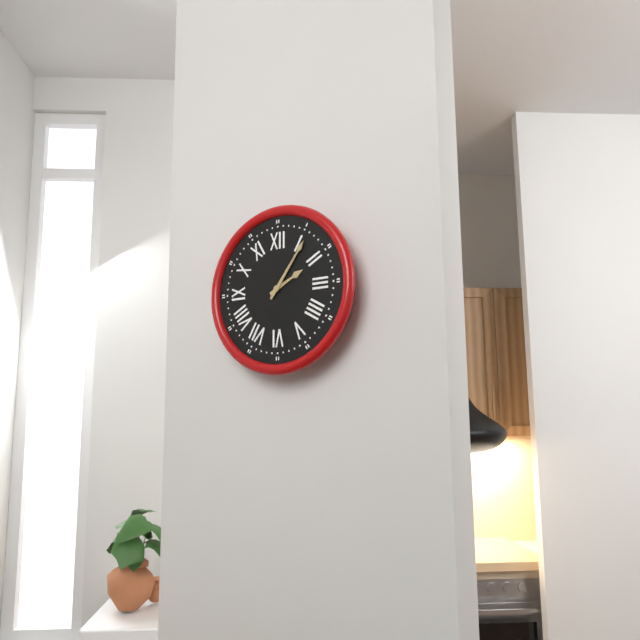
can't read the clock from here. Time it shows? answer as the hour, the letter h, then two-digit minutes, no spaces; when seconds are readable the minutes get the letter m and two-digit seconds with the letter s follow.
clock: 2h06
